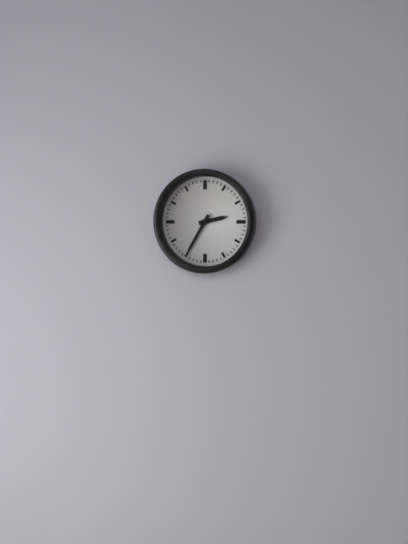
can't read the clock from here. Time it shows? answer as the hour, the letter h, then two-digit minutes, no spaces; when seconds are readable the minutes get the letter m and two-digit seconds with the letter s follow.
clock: 2h35
